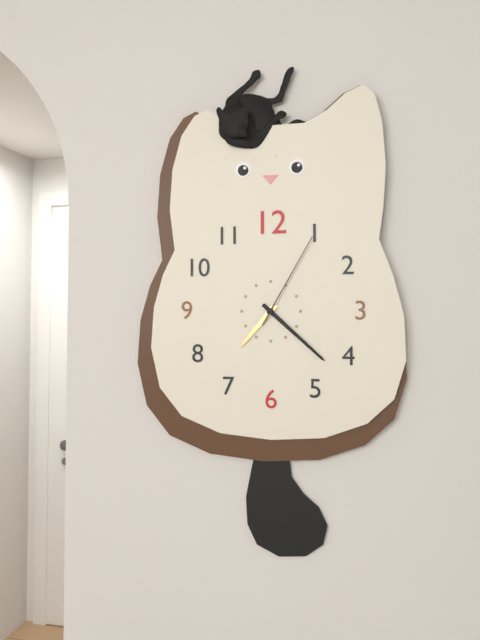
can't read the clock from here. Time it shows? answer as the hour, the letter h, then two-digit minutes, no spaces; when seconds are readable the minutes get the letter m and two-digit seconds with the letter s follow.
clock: 7h22m05s
